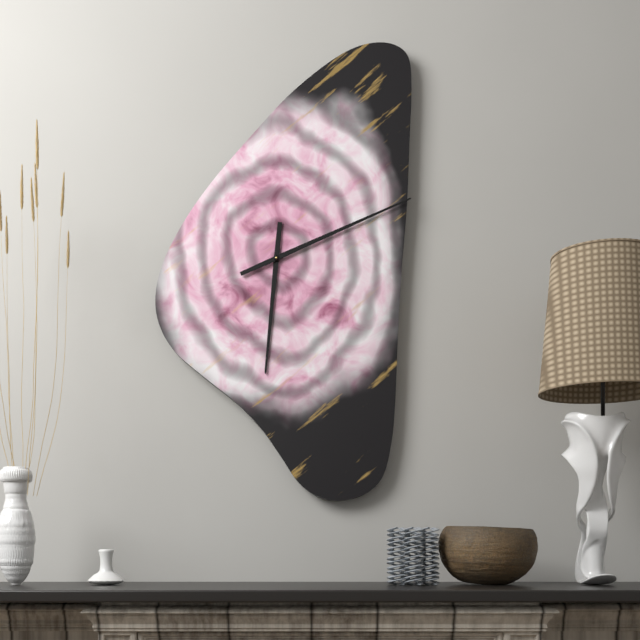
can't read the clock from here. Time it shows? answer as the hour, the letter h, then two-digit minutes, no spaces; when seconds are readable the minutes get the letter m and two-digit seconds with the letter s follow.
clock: 6h11
